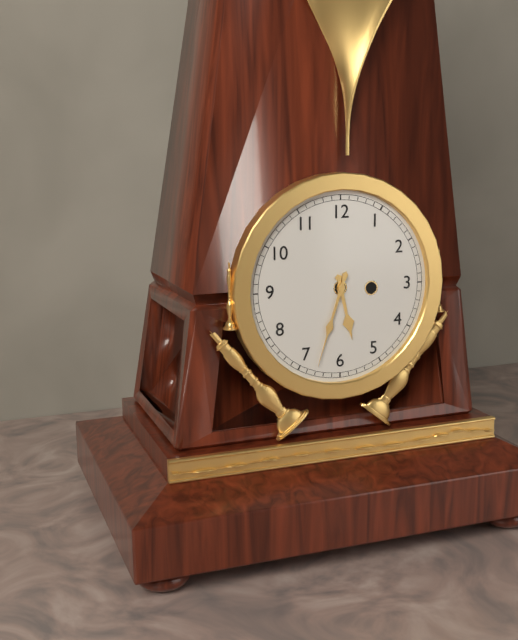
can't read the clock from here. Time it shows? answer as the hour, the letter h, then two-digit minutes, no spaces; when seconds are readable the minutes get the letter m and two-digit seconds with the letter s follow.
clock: 5h33
